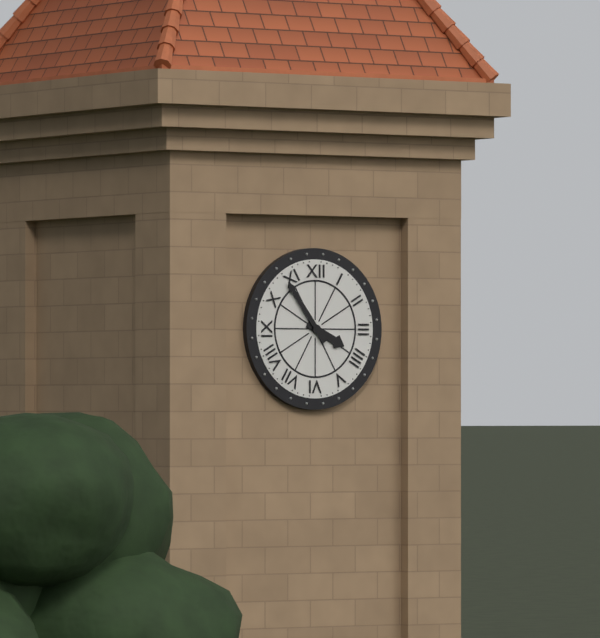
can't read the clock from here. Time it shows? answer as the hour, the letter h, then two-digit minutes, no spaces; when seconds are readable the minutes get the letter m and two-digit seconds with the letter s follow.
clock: 3h54
